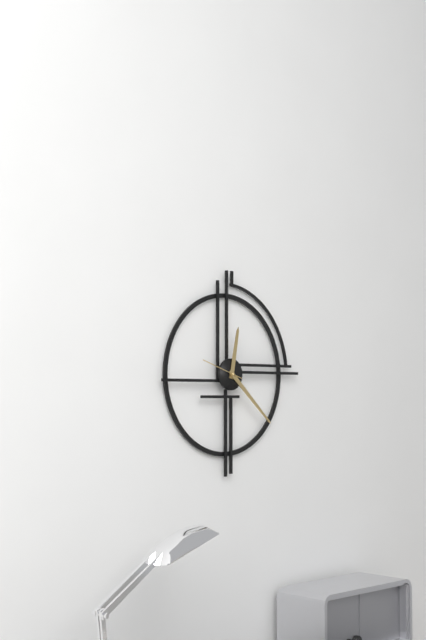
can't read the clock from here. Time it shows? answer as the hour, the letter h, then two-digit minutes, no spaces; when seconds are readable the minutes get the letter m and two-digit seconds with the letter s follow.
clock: 12h22
